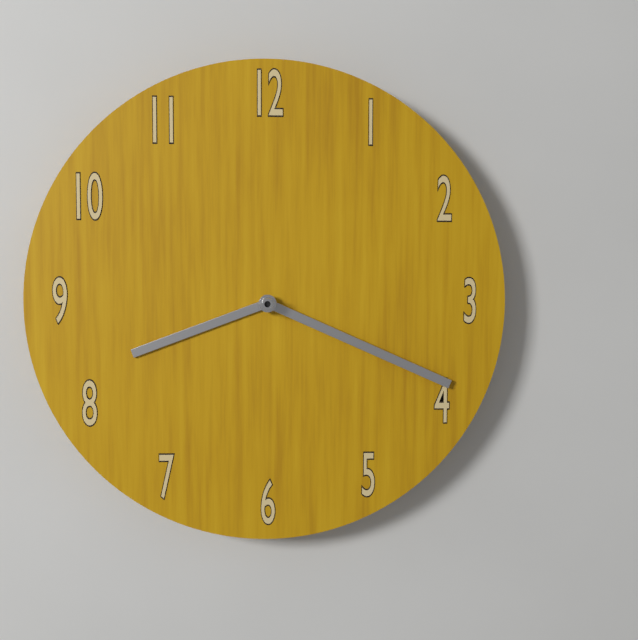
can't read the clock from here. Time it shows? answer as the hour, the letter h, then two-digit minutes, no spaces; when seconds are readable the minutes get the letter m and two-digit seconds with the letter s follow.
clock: 8h19
